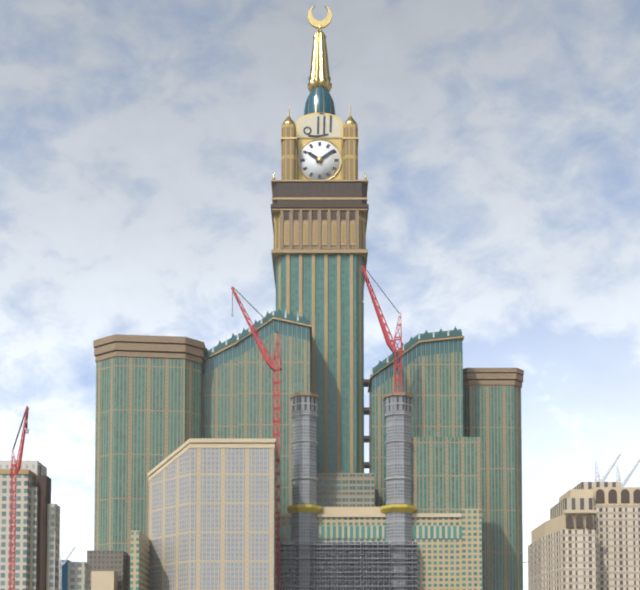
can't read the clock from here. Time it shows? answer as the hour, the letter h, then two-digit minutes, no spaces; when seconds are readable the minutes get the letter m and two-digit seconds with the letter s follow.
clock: 10h09
